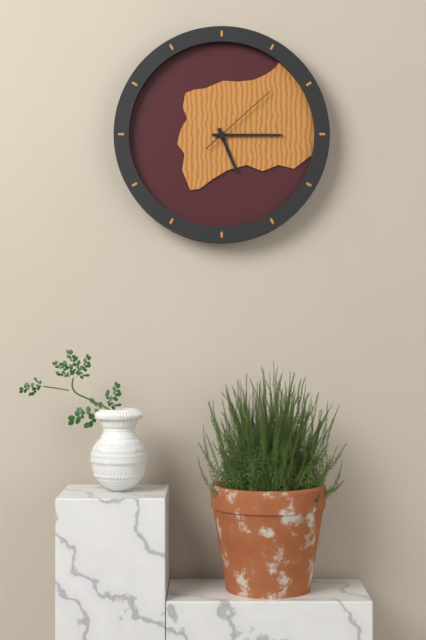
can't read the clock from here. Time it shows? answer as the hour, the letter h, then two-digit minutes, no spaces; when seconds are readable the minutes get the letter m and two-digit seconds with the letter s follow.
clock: 5h15m08s
